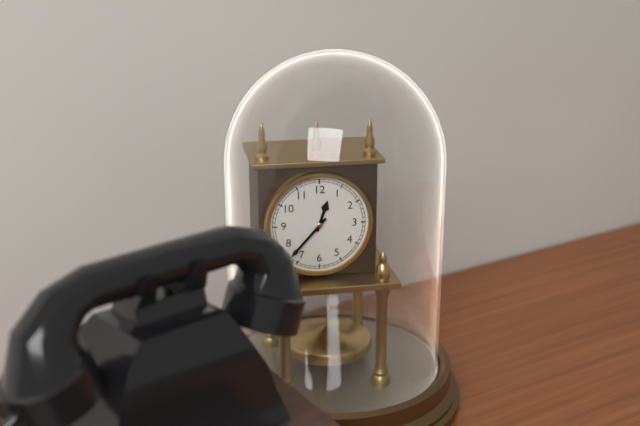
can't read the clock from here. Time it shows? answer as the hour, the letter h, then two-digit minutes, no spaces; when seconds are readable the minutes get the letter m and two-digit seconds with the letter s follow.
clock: 12h37
